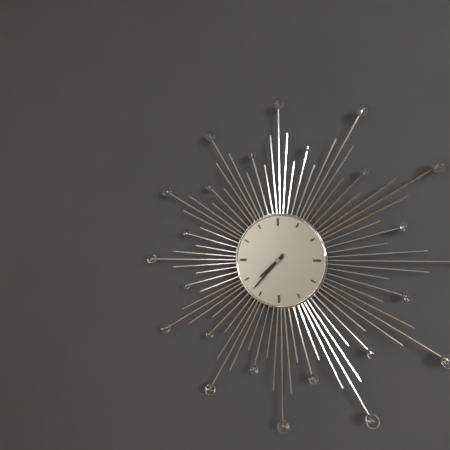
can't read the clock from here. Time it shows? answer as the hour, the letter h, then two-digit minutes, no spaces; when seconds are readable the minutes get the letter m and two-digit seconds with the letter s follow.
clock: 7h37
